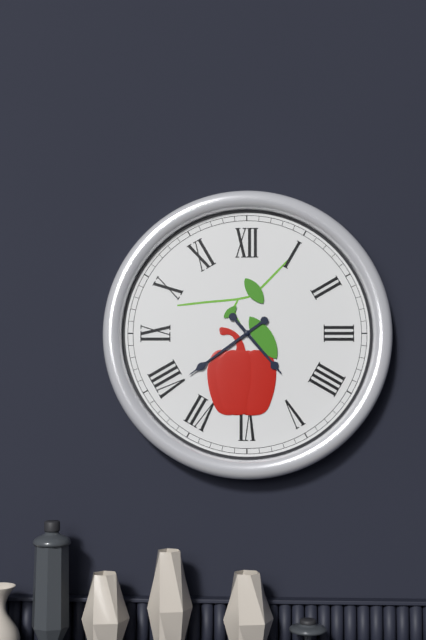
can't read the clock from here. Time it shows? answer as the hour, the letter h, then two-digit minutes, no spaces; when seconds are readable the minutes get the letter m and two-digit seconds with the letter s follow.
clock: 4h39
